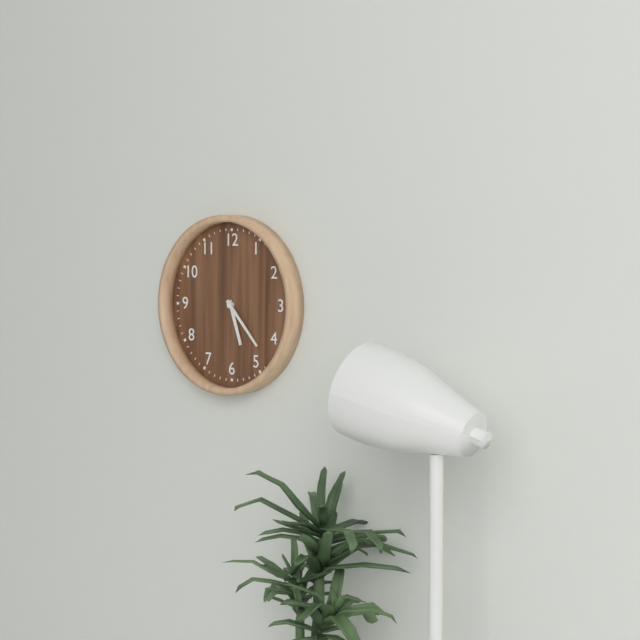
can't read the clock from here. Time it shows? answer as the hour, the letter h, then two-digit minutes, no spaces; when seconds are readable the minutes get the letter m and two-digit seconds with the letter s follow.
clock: 5h23
